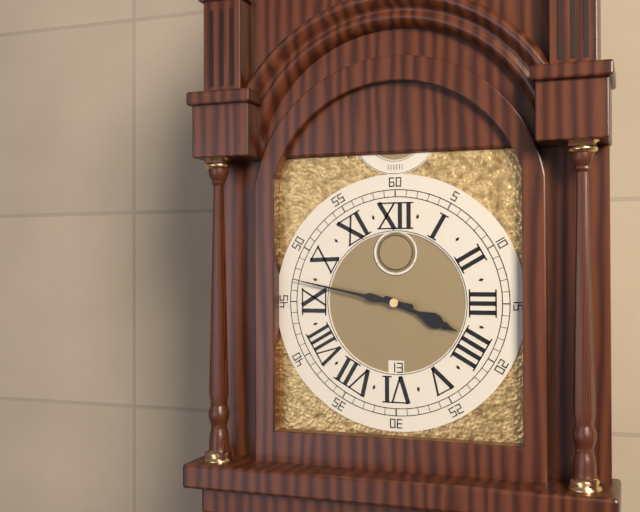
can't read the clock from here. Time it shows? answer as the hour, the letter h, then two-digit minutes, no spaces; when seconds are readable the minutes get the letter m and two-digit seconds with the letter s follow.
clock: 3h47
